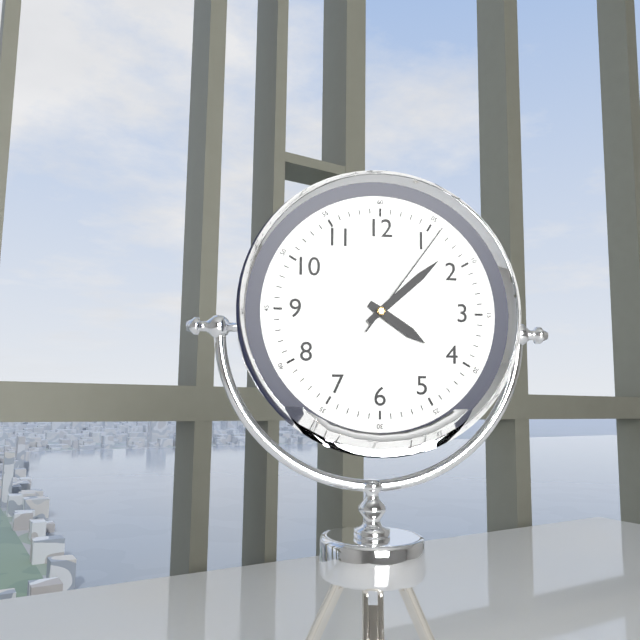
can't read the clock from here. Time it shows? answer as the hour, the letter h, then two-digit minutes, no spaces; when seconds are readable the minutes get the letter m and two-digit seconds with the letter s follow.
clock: 4h08m06s
